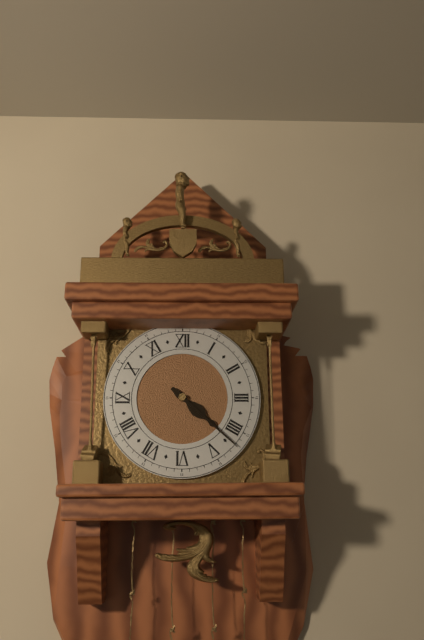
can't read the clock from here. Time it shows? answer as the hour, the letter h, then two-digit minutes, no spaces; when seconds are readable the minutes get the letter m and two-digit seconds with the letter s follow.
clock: 4h22
